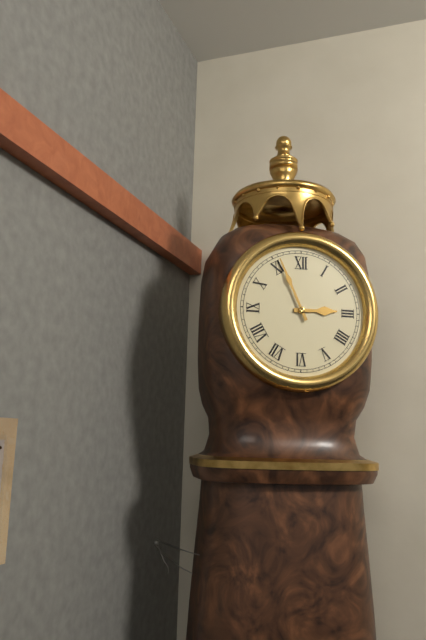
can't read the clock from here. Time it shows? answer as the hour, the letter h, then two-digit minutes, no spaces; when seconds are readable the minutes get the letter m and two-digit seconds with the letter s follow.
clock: 2h56
